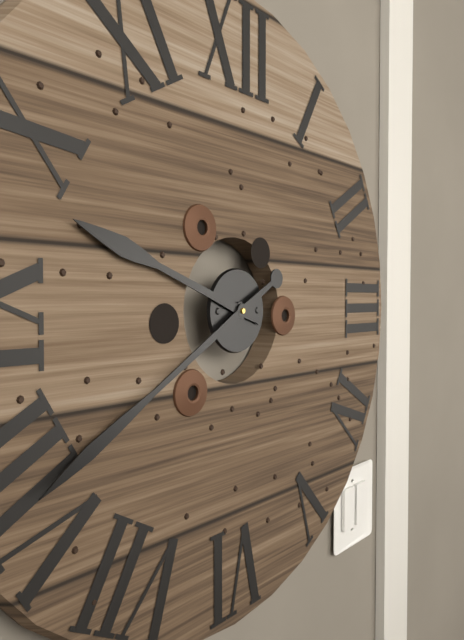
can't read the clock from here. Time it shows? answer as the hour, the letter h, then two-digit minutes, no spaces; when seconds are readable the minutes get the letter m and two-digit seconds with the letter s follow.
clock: 9h40
